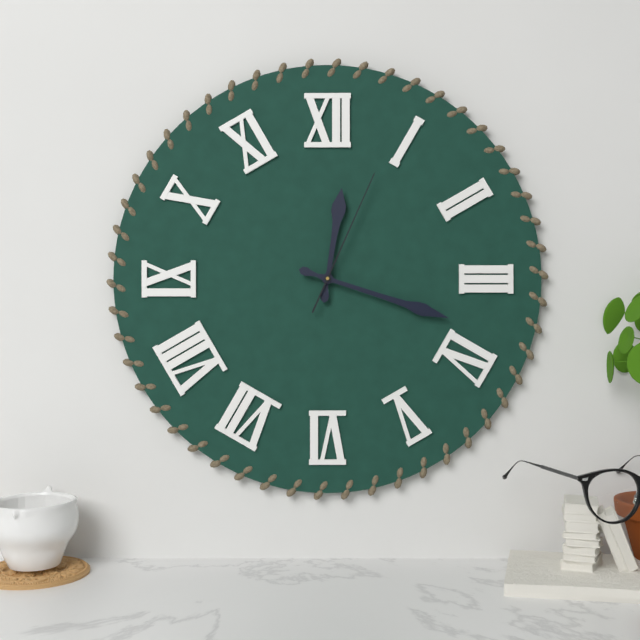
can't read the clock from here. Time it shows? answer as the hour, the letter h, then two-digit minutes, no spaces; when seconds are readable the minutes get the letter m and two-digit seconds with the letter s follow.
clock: 12h18m04s
